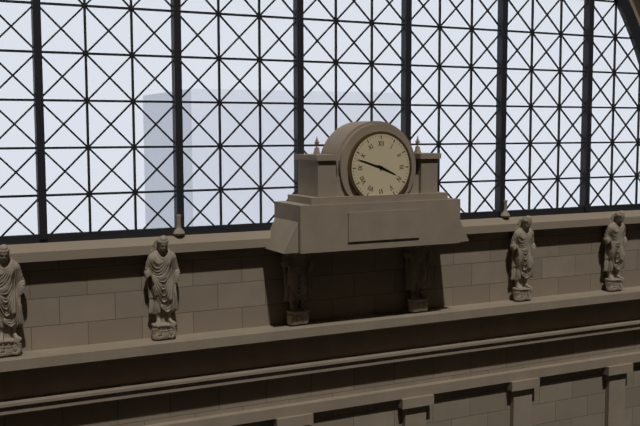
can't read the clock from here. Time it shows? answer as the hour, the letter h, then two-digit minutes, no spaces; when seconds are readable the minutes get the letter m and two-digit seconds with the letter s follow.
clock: 3h48
